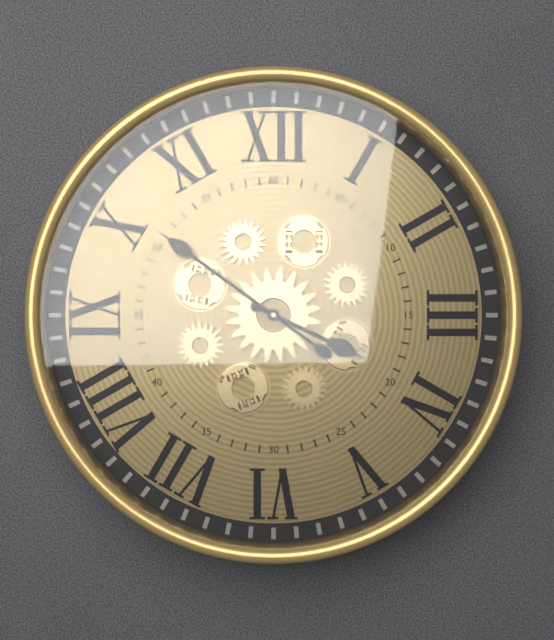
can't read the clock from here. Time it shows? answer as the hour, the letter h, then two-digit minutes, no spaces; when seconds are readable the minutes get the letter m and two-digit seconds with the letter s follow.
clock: 3h51
